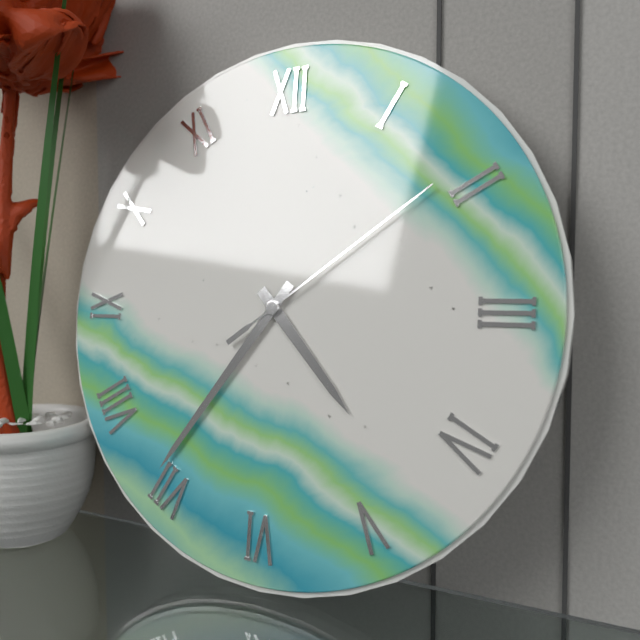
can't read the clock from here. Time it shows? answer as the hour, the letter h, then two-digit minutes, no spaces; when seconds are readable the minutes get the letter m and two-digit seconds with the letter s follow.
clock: 4h36m09s
